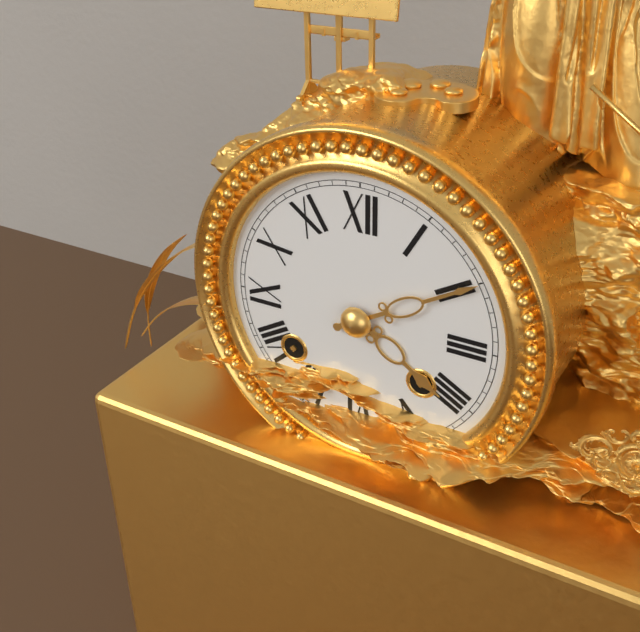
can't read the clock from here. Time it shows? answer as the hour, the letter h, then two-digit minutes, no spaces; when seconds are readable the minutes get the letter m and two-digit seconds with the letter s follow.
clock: 4h10
